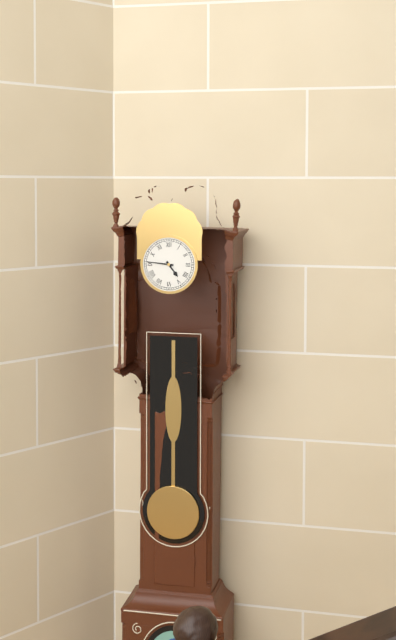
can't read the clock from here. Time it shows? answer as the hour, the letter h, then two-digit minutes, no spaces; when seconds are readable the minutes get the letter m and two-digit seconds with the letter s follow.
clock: 4h46
